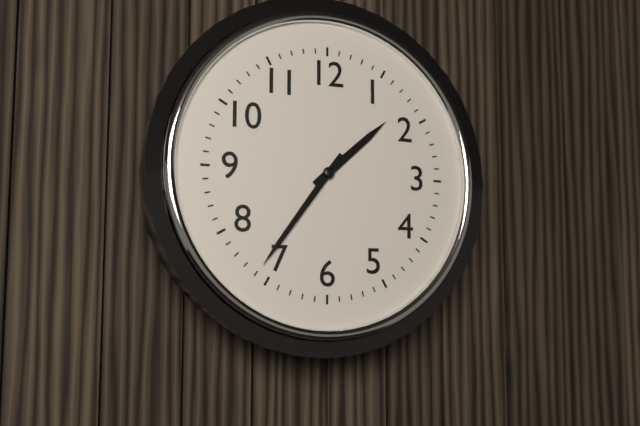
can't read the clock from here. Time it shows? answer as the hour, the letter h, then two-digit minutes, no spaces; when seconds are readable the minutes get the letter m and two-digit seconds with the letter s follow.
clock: 1h36
